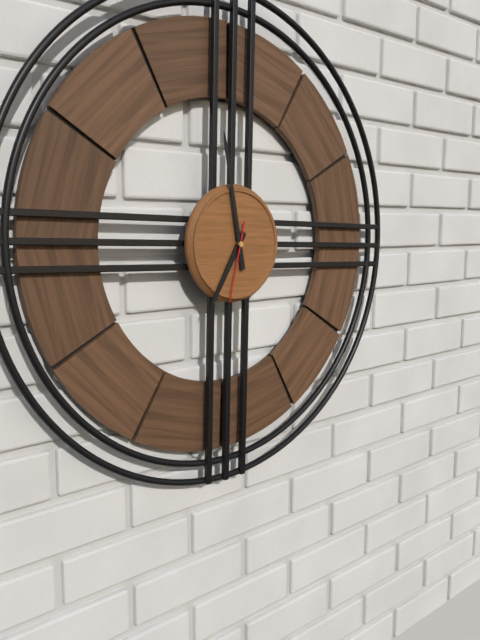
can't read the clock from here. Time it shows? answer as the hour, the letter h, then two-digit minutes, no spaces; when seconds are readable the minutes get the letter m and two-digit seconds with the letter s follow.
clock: 6h58m32s
